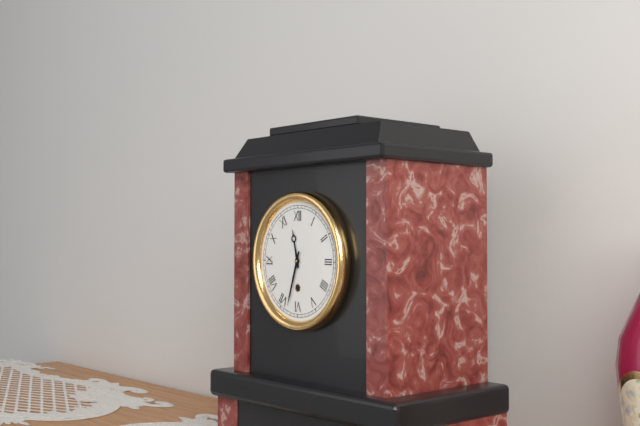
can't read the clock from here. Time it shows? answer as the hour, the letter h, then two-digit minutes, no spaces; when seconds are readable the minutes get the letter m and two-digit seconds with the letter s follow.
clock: 11h33
